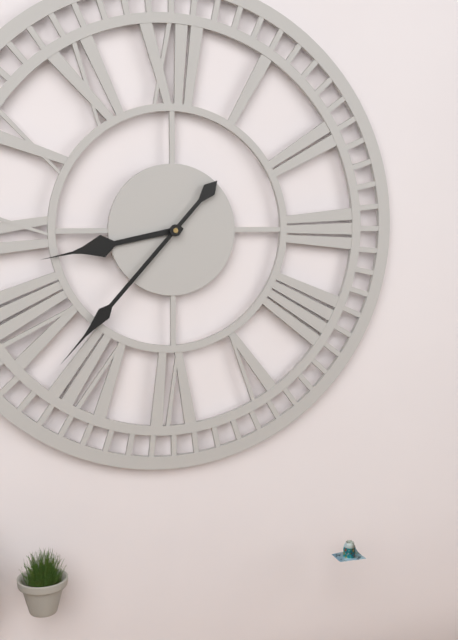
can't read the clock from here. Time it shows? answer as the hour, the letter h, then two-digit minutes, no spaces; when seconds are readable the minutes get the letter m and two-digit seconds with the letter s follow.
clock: 8h37
